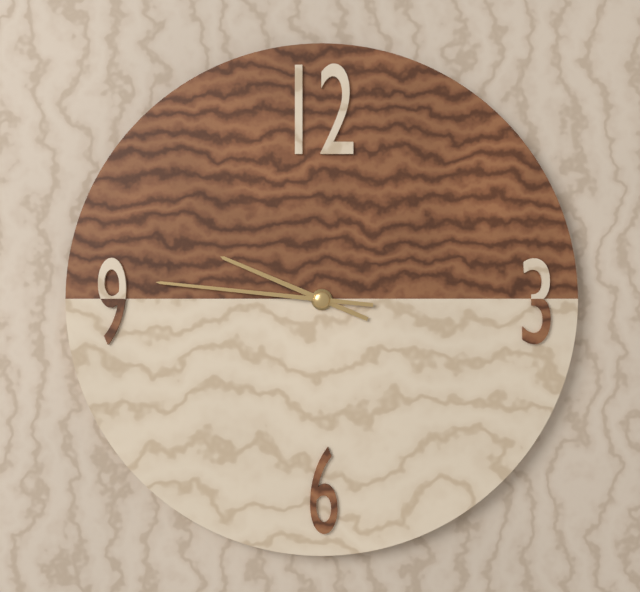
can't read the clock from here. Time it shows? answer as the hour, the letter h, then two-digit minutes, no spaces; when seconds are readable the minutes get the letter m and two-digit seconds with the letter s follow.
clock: 9h46
